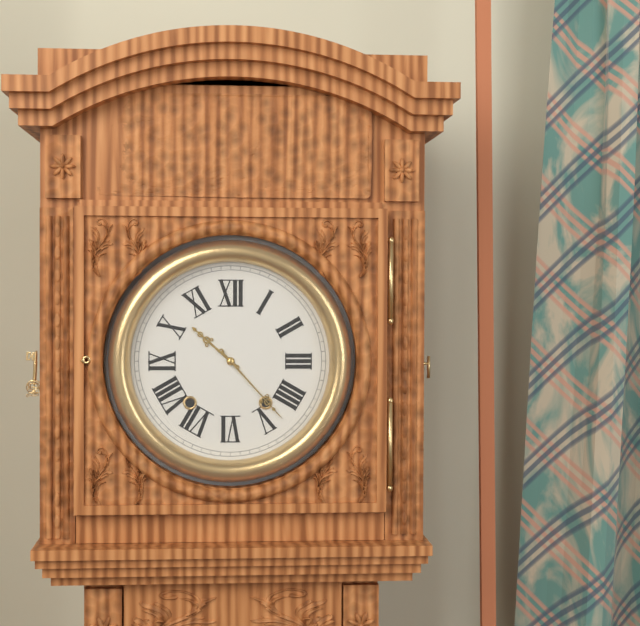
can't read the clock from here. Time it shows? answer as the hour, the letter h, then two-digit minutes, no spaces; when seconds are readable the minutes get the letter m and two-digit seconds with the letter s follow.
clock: 10h23
